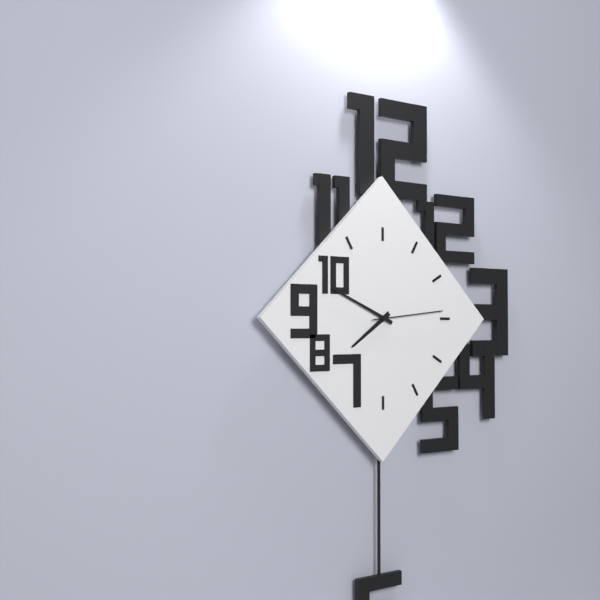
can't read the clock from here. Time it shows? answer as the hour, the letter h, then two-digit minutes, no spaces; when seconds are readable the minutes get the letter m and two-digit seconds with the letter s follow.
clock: 7h49m14s
